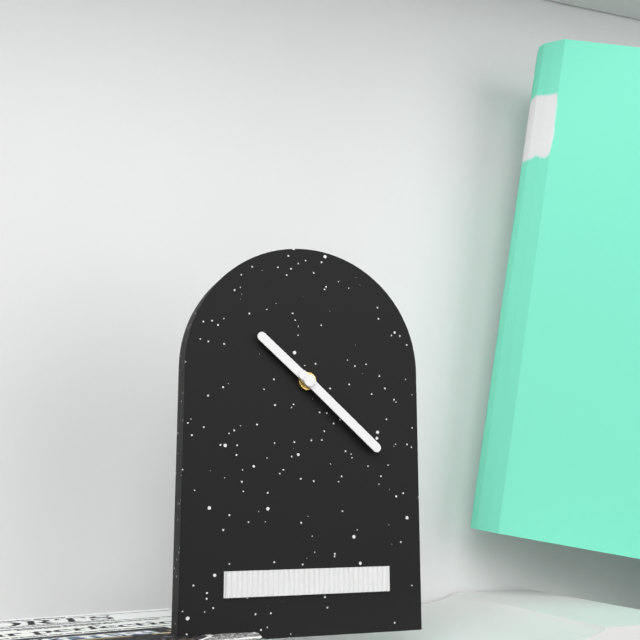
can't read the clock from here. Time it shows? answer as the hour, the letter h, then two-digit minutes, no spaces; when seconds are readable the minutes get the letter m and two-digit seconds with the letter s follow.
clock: 10h22
